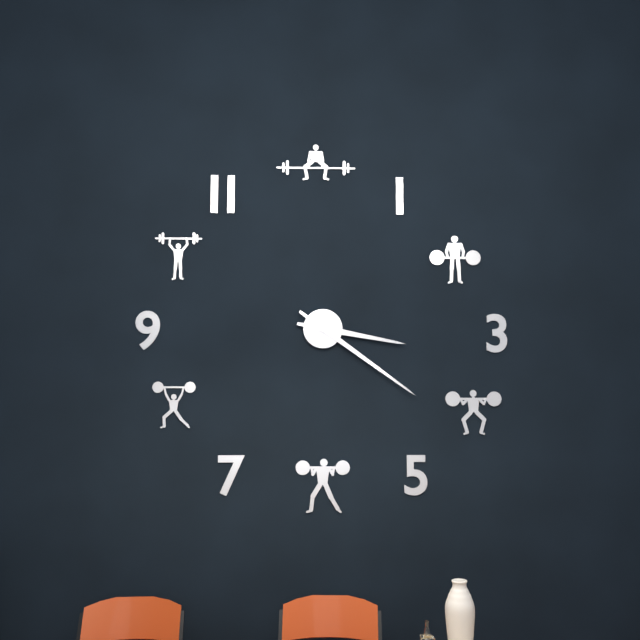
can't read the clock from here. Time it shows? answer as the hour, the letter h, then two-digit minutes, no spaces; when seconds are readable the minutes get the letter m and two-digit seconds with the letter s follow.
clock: 3h21
